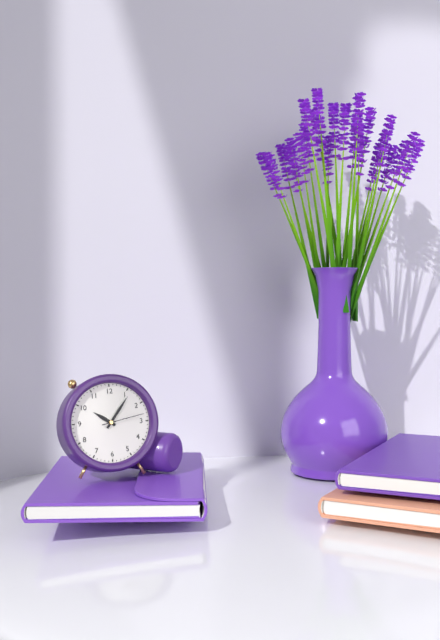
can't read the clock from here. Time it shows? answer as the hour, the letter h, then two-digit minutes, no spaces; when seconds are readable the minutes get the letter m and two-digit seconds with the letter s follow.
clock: 10h06
